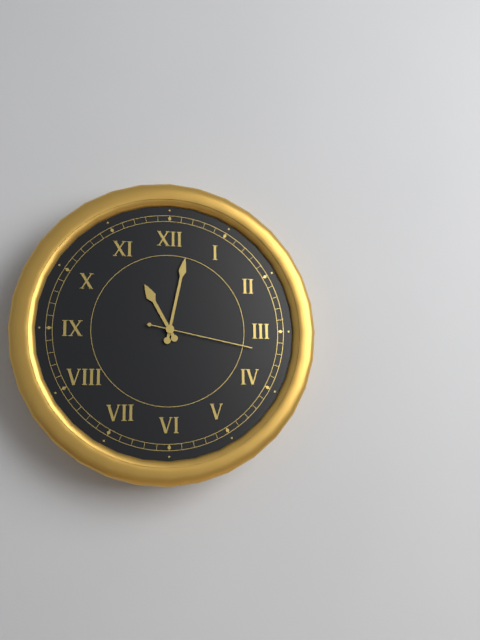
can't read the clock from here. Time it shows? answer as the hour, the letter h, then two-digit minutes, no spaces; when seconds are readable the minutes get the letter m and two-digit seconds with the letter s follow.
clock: 11h02m17s
